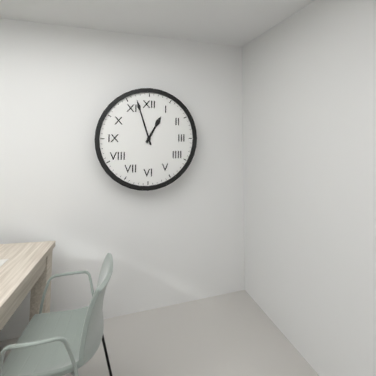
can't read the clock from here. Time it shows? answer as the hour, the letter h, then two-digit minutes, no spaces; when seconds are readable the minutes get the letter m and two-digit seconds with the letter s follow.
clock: 12h57
